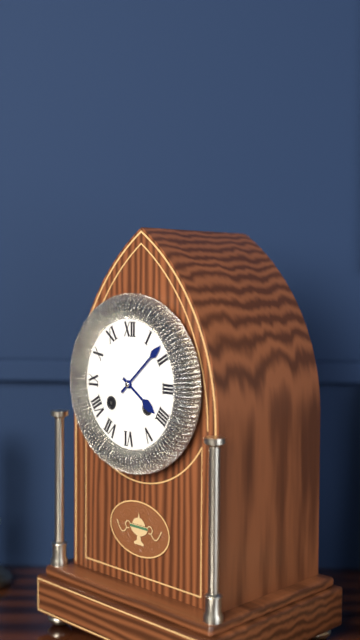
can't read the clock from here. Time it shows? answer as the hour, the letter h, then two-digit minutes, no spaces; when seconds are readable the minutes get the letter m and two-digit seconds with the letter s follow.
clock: 4h08
